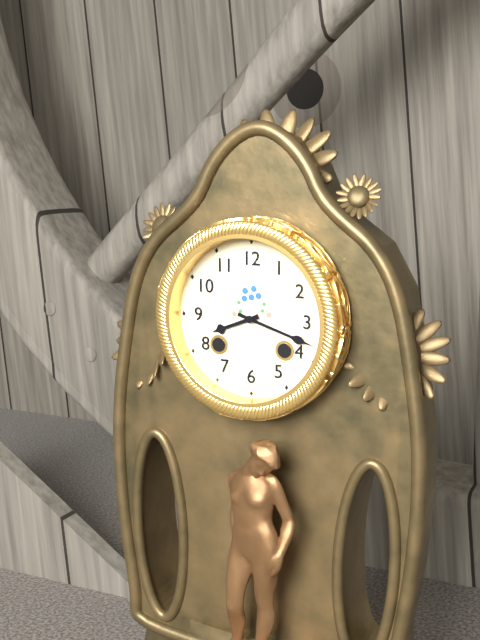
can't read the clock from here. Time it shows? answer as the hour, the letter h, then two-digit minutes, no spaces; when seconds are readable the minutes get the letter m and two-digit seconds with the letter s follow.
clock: 8h18
